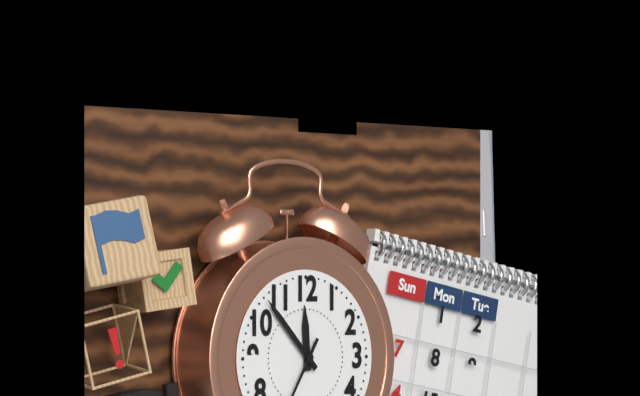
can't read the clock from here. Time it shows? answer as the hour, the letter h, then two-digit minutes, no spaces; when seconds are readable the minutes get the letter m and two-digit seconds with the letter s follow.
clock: 11h53
